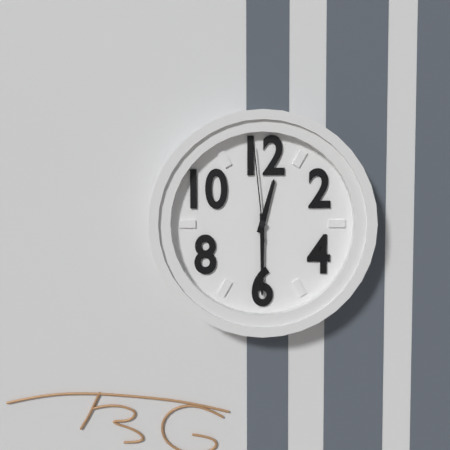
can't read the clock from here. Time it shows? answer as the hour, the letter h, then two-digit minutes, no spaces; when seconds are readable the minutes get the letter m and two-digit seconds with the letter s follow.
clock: 12h30m59s
